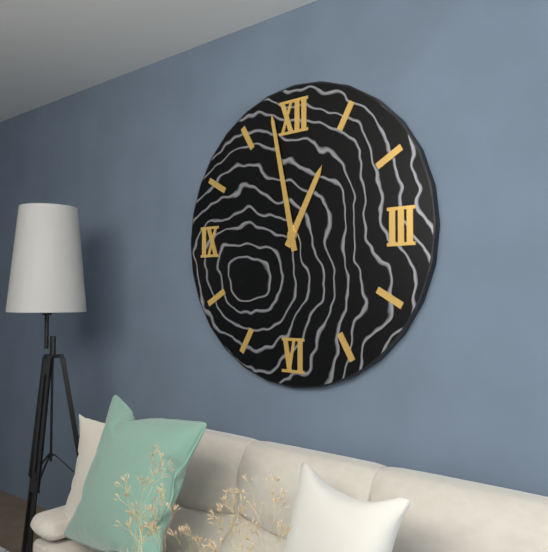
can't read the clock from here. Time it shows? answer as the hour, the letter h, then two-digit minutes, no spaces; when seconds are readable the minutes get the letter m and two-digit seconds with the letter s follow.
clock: 12h58
